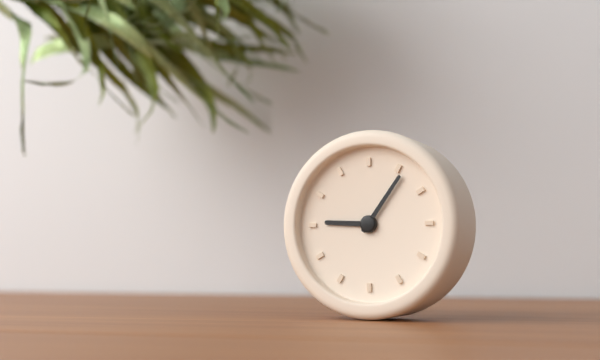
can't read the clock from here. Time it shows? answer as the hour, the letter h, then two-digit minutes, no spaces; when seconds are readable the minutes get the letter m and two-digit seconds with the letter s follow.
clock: 9h06
